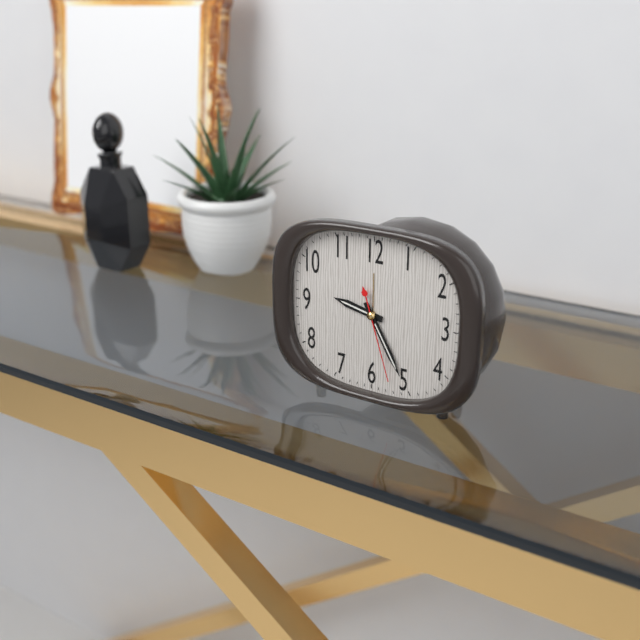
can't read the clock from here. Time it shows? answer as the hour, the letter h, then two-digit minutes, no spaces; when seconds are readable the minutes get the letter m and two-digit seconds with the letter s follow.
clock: 9h25m27s
